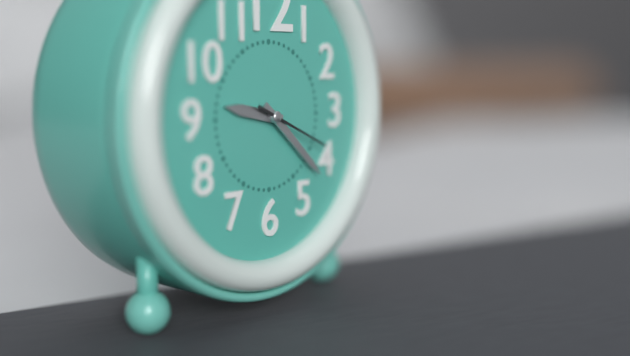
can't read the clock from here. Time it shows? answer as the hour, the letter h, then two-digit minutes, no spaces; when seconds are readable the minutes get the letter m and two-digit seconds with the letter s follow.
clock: 9h22m19s
